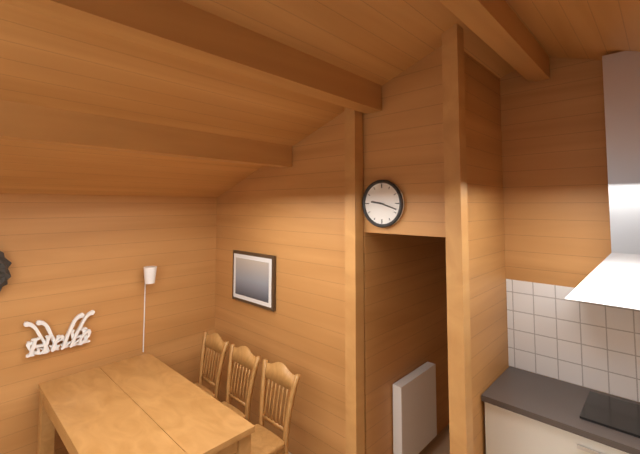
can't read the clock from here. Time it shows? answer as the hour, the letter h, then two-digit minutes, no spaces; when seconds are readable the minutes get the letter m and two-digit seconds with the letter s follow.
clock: 9h18
